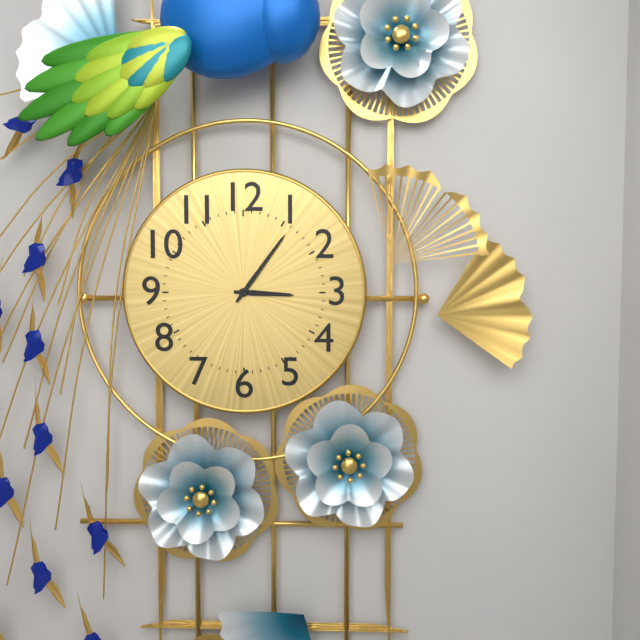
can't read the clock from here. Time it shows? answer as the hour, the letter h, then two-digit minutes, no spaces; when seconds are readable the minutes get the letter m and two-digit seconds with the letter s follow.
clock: 3h06
